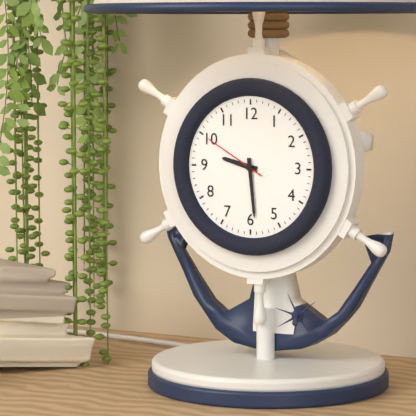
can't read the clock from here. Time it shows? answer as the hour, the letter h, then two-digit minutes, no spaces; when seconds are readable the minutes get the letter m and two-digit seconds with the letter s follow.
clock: 9h29m50s
